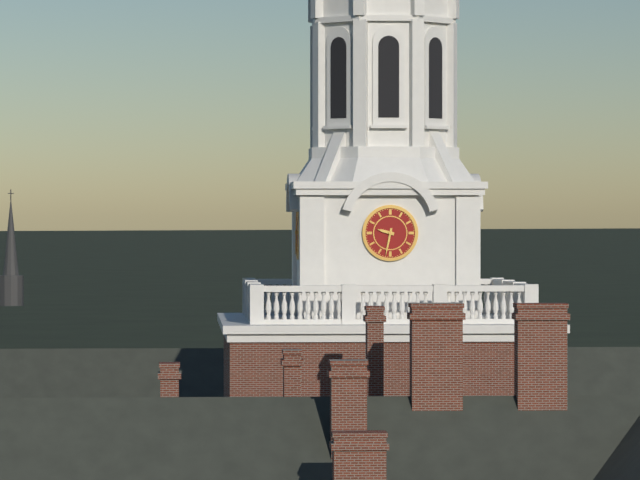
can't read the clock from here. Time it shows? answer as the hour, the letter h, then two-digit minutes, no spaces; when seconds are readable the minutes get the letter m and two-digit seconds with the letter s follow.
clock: 9h32
